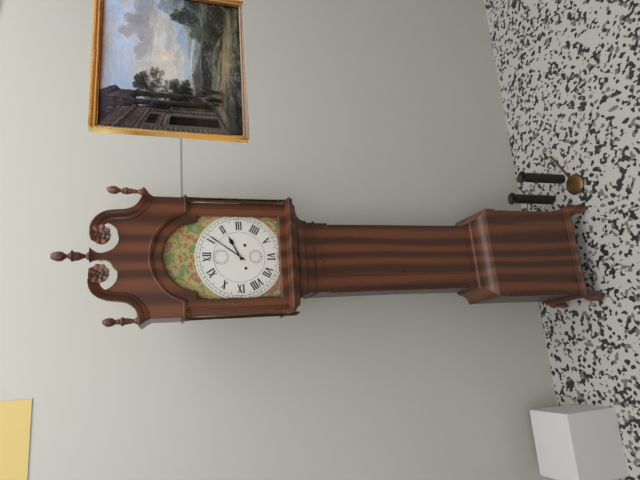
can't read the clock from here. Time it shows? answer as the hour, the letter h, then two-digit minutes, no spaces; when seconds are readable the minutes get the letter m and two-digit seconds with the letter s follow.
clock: 2h06
